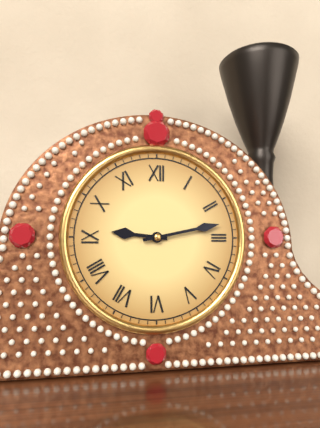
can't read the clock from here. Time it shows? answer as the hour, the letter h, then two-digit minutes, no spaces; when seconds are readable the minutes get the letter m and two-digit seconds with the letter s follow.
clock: 9h13
